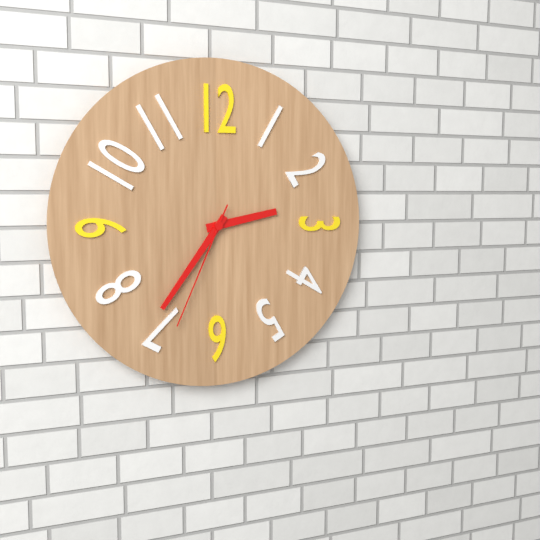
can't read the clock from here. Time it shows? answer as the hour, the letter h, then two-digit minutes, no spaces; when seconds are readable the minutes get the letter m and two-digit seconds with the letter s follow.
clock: 2h36m34s
